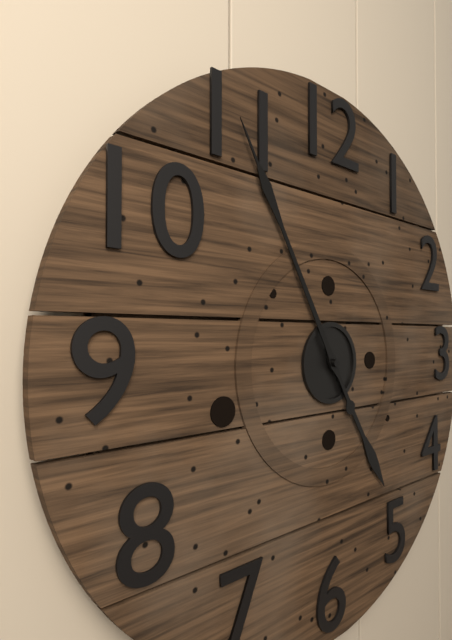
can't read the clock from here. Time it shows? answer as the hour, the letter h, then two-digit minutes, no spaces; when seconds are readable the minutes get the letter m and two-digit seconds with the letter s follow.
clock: 4h55
